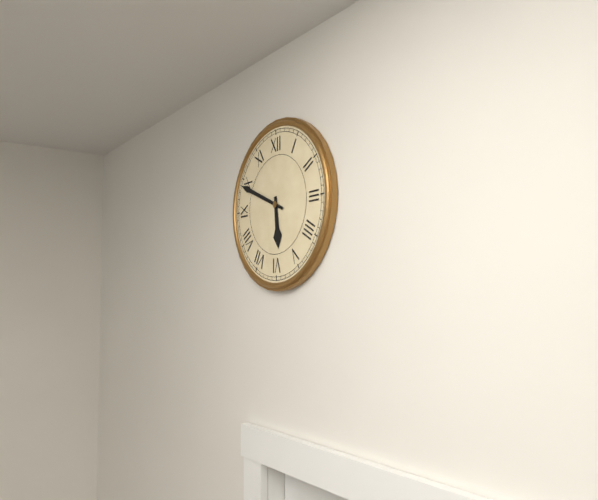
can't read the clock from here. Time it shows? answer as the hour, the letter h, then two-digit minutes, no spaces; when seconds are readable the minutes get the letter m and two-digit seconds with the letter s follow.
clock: 5h49
